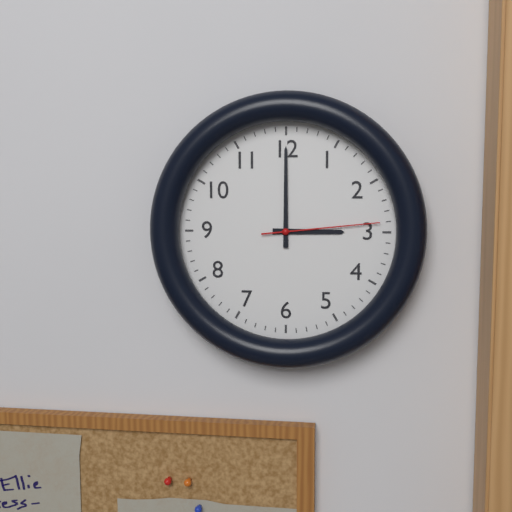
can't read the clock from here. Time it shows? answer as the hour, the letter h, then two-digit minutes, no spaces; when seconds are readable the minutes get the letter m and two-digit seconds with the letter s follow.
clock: 3h00m14s
